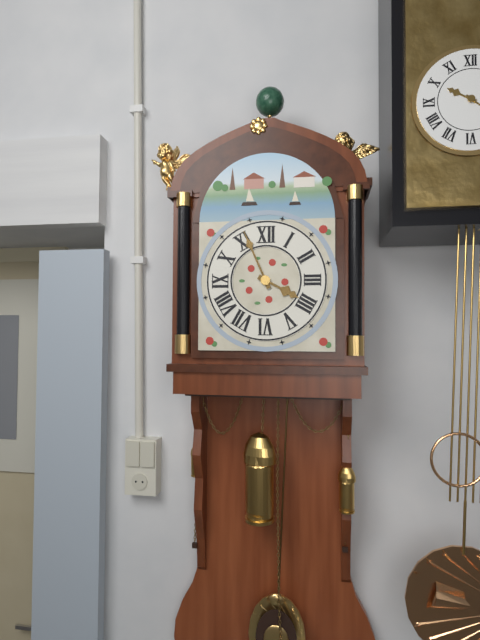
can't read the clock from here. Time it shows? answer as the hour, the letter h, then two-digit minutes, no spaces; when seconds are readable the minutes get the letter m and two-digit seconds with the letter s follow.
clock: 3h56
